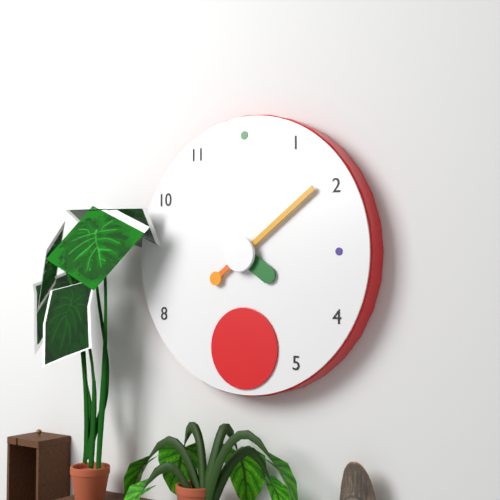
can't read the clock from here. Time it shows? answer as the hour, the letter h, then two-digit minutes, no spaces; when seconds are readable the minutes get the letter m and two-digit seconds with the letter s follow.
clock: 4h09
